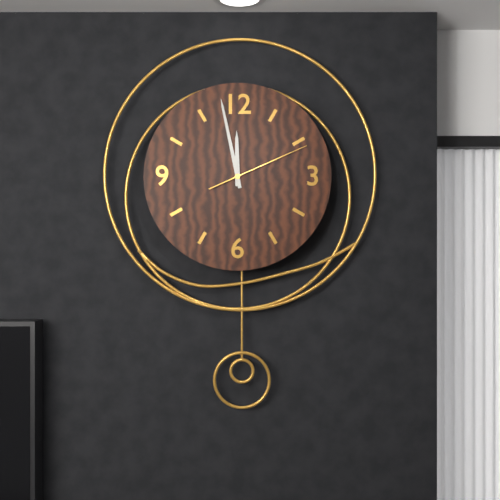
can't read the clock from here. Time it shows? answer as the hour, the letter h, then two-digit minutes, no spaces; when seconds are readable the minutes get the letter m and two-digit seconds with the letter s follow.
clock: 11h58m11s
